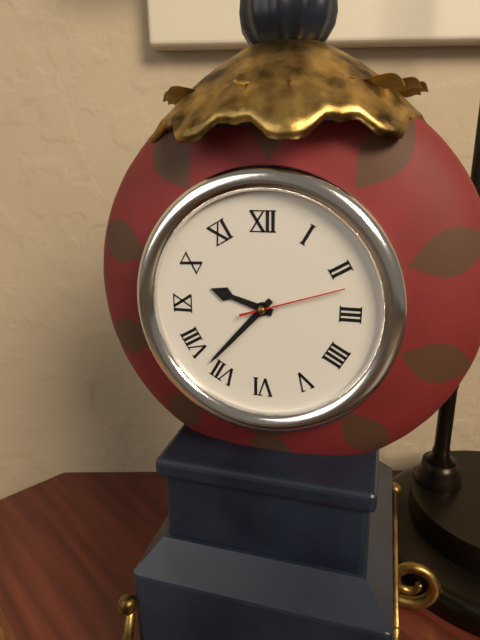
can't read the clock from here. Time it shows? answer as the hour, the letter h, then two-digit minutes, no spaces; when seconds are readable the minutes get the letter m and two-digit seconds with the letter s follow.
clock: 9h37m12s
